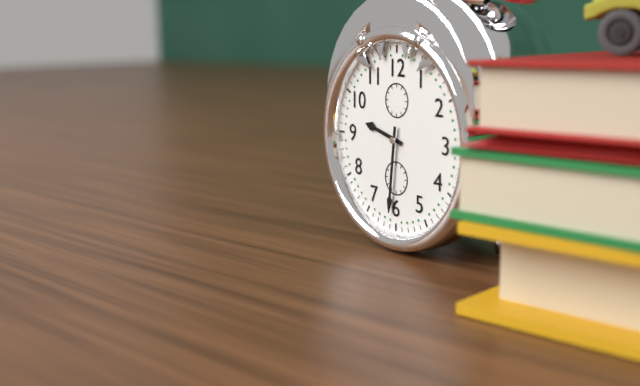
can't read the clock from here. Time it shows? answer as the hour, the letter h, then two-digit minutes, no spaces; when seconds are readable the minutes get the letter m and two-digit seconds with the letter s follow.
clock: 9h31
